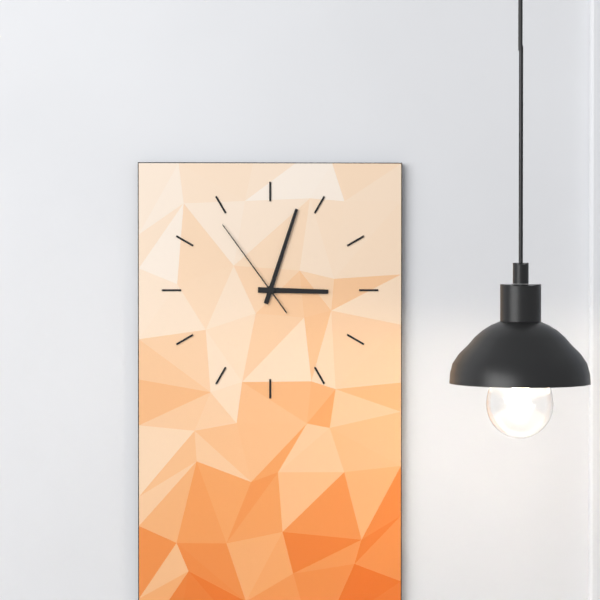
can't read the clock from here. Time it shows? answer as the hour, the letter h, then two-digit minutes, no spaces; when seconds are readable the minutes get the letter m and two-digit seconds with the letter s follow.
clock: 3h03m54s
